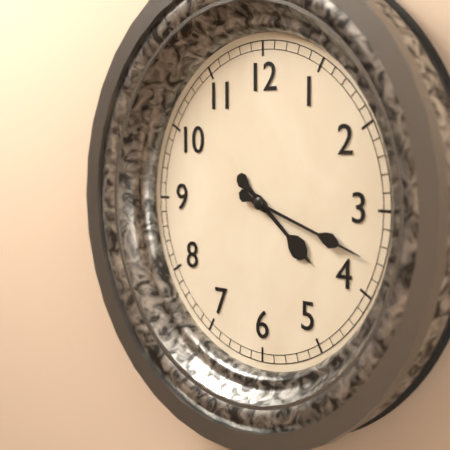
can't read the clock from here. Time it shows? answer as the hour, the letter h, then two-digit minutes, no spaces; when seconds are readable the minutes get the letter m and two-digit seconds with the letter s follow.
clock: 4h18
